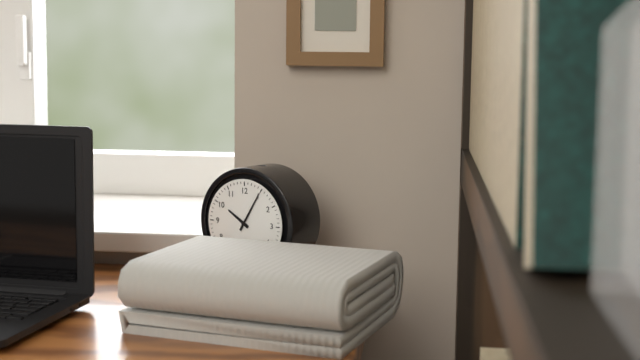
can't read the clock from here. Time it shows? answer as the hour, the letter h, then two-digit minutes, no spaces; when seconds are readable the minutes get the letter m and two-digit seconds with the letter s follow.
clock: 10h05
